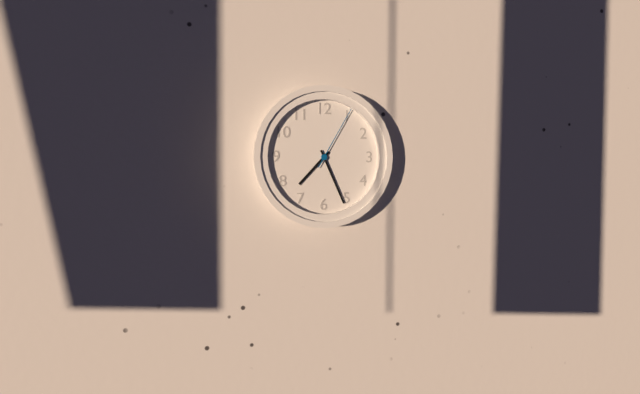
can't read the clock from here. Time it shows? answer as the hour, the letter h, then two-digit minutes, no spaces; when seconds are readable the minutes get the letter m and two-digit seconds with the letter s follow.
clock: 7h26m05s
